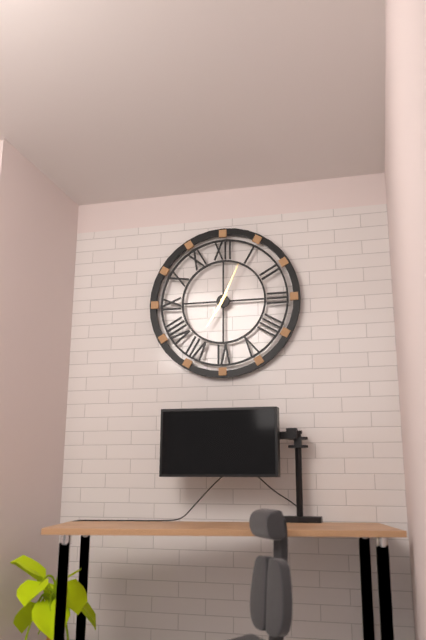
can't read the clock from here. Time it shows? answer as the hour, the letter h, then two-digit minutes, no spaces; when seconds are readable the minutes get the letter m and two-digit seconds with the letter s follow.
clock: 7h04
